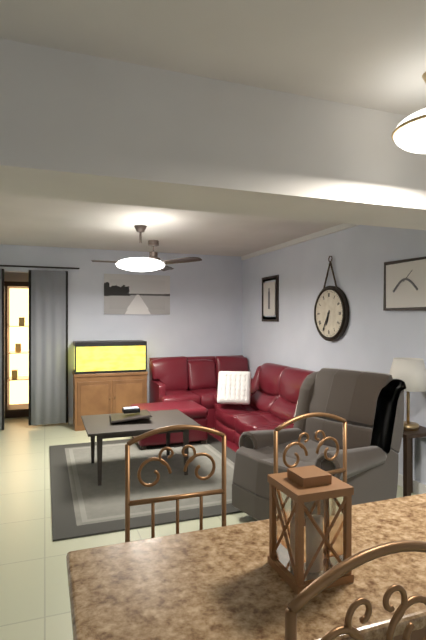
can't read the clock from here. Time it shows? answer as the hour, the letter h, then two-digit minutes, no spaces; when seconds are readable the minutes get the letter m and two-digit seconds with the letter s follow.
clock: 6h35
